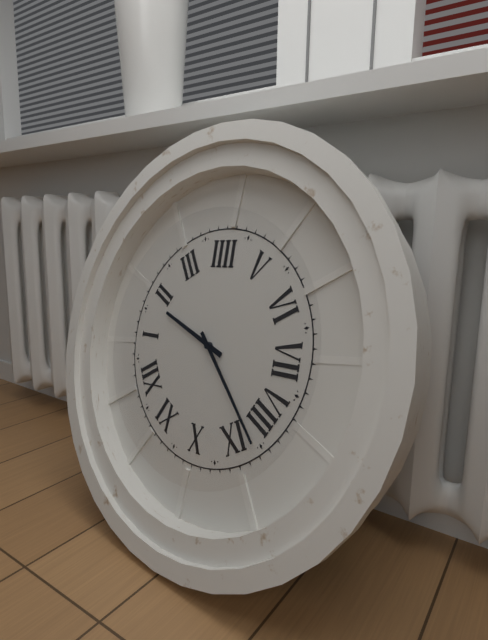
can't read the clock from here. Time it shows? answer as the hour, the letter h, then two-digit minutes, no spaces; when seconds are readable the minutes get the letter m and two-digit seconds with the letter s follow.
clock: 1h43
